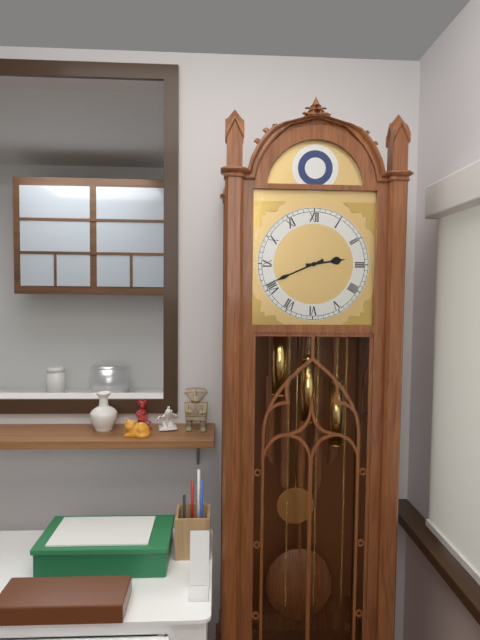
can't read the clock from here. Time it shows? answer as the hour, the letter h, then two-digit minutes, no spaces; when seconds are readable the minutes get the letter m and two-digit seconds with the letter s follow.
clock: 2h41
